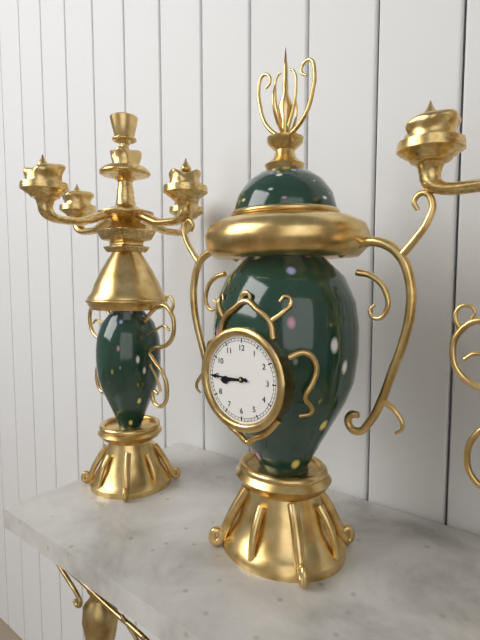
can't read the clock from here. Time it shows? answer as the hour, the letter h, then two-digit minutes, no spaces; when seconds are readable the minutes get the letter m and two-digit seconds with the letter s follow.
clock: 8h45
